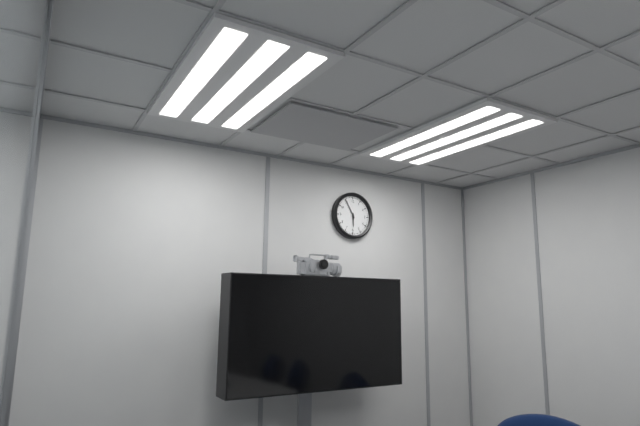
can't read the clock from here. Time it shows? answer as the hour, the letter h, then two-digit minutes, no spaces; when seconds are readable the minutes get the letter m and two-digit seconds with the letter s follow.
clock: 5h55
